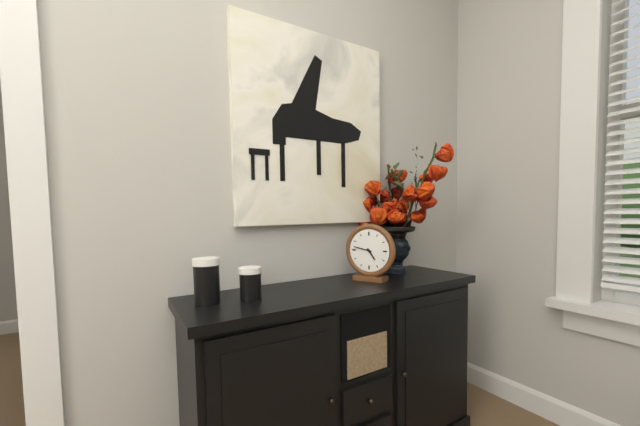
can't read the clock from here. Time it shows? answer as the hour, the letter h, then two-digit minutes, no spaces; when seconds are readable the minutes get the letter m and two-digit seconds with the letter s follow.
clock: 4h47
